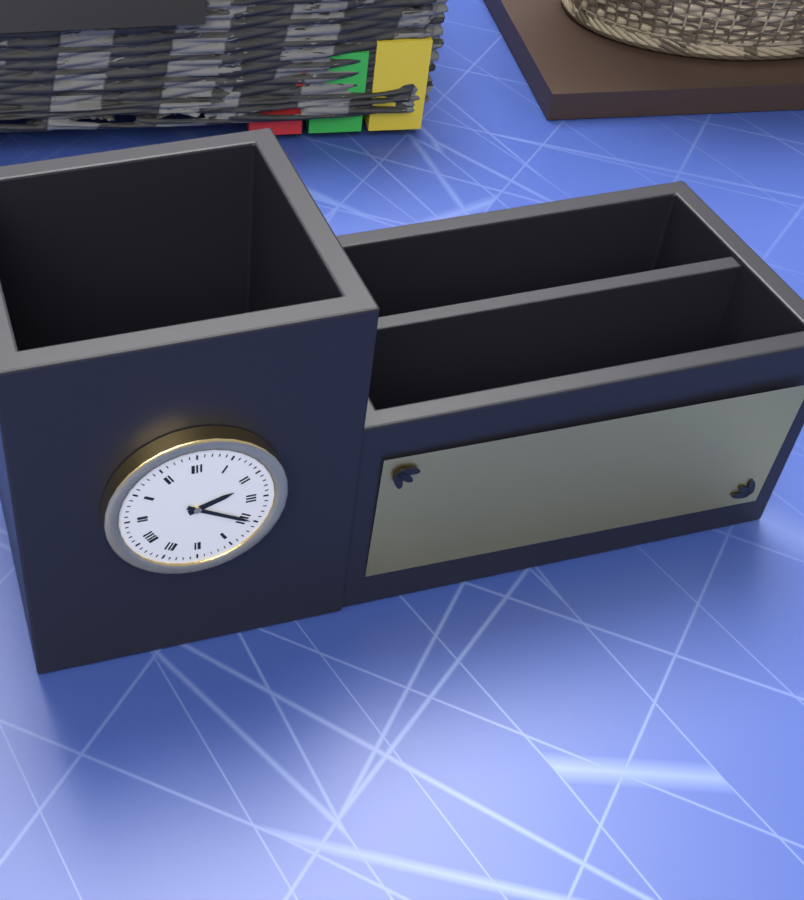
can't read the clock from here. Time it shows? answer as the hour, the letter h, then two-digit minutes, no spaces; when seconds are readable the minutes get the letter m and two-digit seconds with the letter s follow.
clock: 2h20
